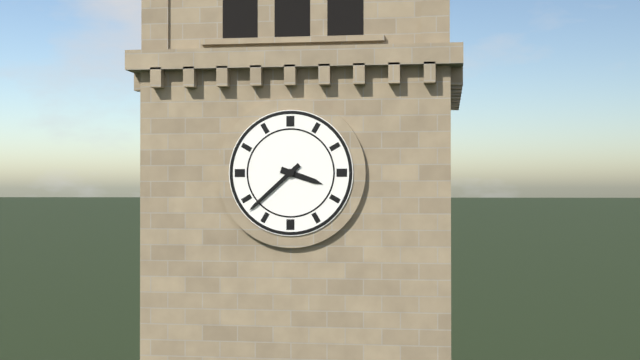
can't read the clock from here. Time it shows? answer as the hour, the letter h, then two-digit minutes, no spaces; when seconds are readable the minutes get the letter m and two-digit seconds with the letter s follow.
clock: 3h38
